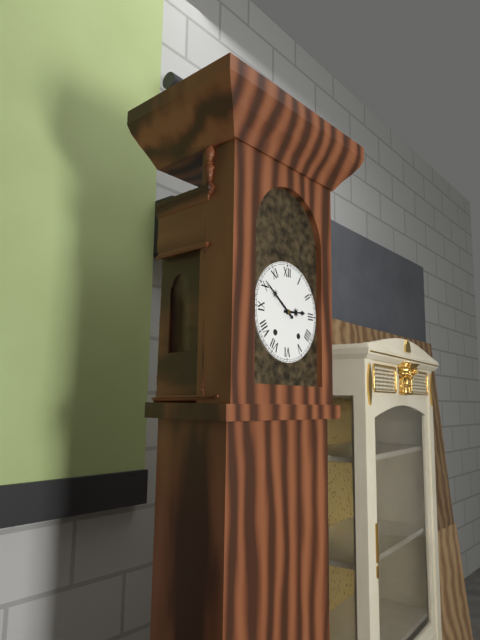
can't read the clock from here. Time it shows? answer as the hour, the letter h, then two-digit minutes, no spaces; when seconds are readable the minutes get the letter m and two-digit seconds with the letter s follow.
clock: 2h51
